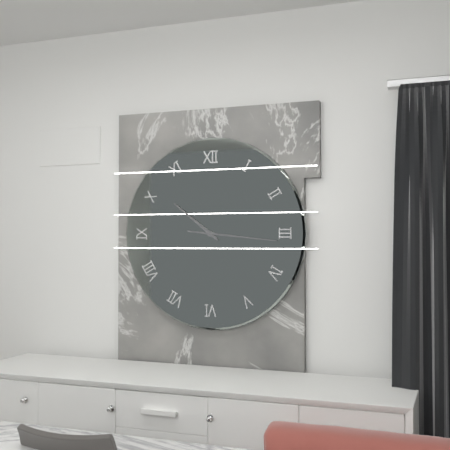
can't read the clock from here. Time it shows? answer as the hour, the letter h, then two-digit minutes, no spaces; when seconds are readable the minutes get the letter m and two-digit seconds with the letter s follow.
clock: 10h16
